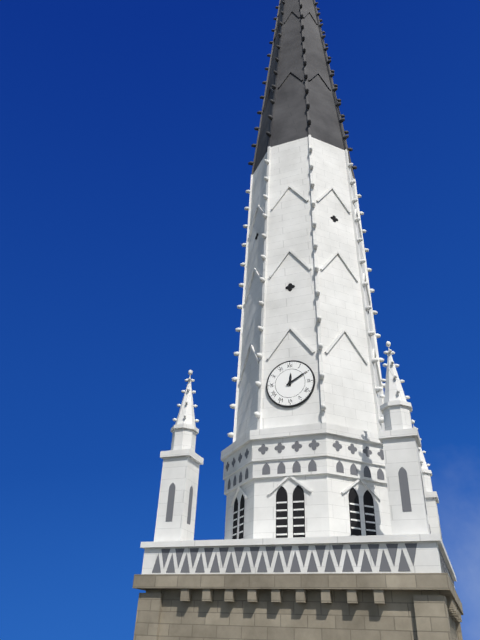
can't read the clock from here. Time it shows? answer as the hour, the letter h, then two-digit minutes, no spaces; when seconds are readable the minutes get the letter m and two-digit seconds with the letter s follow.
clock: 12h10
